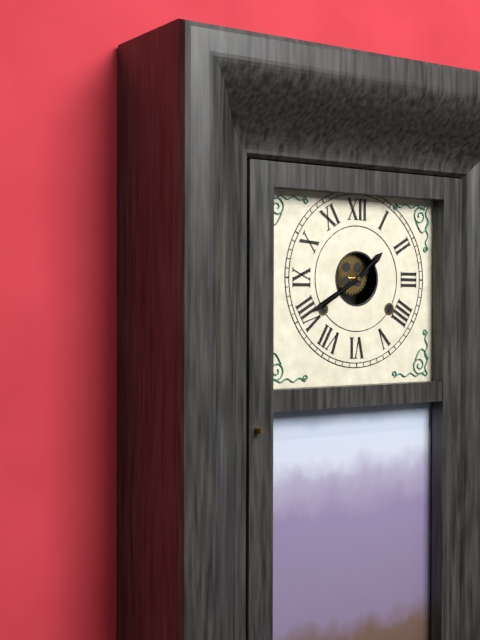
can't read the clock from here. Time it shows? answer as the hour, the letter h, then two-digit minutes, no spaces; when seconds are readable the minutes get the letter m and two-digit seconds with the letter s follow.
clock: 1h40
